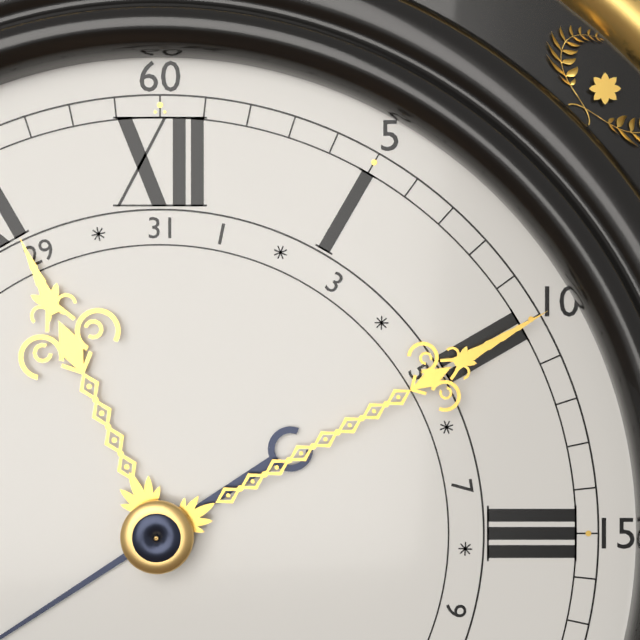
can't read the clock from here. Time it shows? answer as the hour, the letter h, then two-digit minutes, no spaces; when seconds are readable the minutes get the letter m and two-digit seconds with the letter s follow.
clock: 11h10
